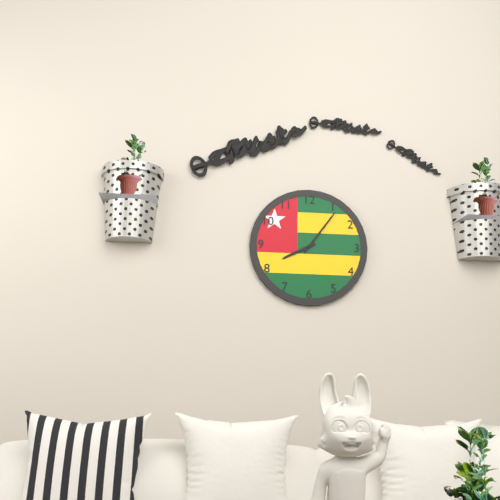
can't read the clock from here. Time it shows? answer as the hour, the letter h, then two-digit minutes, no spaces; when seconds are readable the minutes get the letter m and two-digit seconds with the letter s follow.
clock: 8h06
